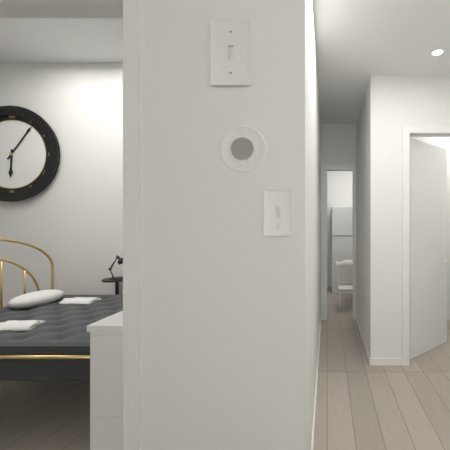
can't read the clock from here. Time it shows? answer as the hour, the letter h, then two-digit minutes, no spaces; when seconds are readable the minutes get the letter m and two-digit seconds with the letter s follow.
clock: 6h06
